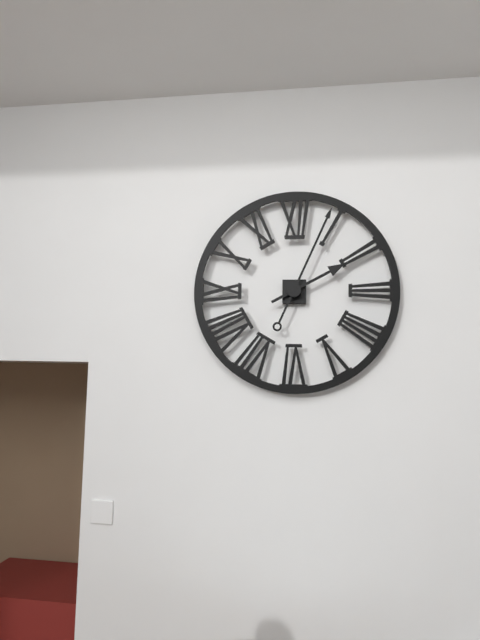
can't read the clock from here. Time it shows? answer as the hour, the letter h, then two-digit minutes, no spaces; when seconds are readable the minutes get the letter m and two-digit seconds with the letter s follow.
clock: 2h04
